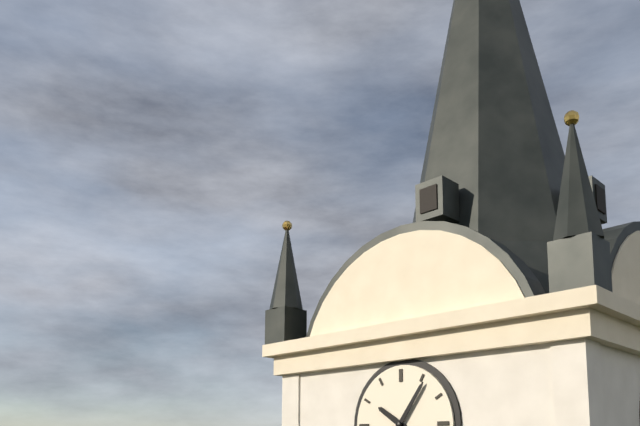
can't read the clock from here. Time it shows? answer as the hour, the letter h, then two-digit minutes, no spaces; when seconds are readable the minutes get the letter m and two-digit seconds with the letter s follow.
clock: 10h06
